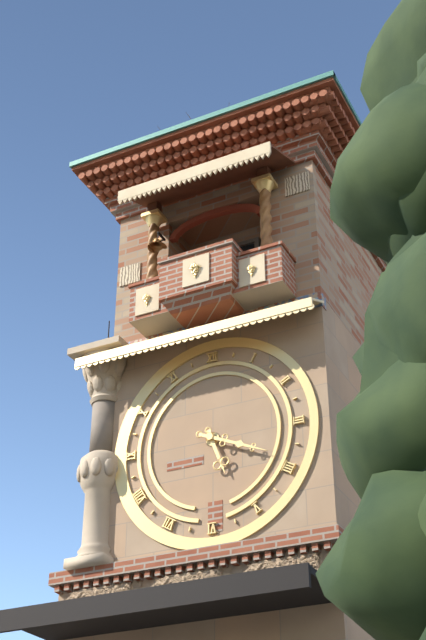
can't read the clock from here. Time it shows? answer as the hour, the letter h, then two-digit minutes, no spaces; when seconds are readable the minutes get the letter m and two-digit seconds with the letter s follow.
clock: 5h19
